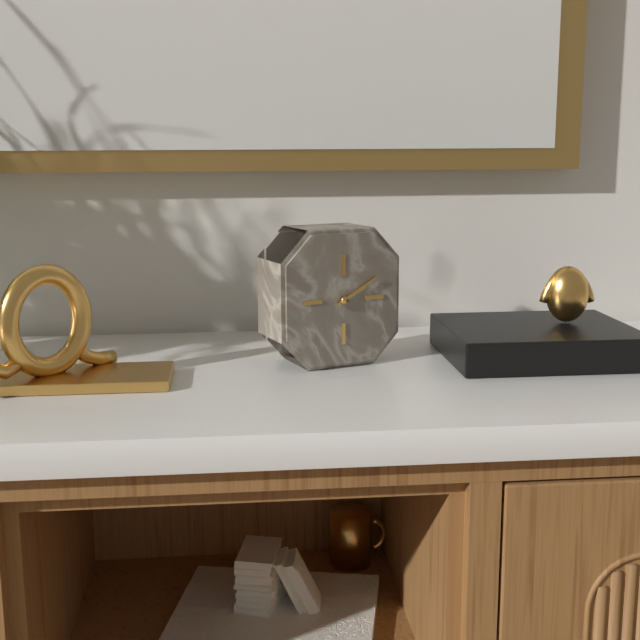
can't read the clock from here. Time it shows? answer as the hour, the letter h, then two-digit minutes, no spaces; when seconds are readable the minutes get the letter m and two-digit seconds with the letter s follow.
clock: 2h10
